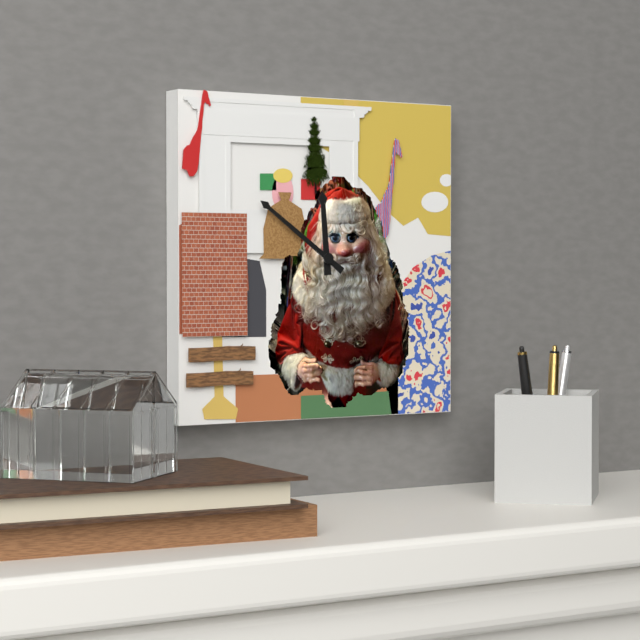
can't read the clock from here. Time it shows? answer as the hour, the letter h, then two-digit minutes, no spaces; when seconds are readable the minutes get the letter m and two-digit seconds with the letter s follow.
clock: 11h51
